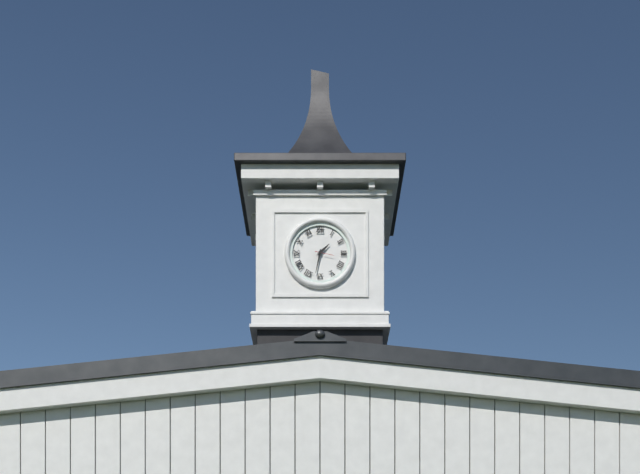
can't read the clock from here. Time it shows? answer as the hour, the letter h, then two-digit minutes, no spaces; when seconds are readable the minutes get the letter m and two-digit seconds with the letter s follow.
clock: 1h32
